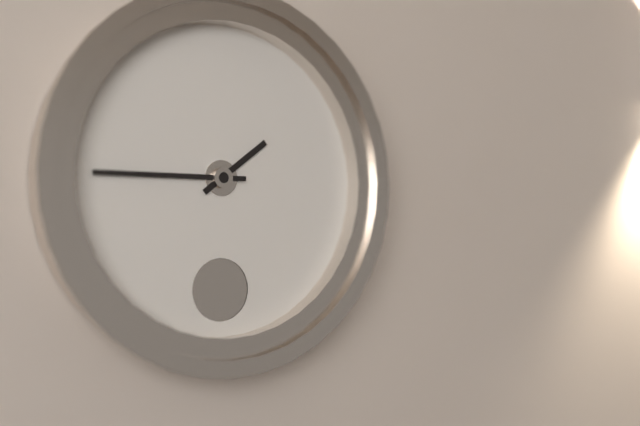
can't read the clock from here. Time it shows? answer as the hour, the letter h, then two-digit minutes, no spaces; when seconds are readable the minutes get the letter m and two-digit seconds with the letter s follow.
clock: 1h45
